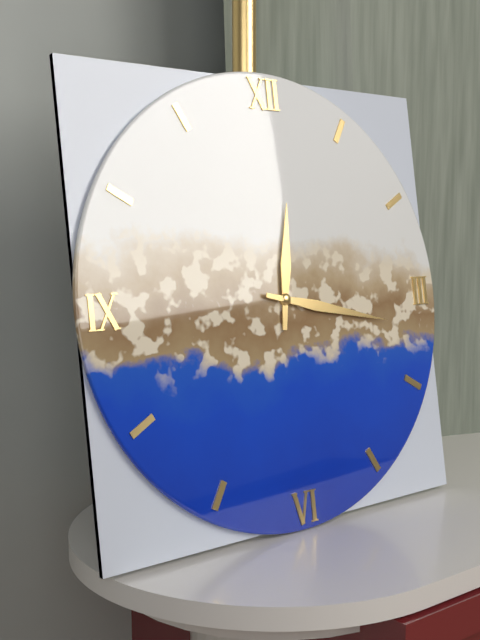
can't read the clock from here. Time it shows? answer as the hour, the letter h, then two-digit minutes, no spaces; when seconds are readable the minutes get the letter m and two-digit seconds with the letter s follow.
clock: 12h17
